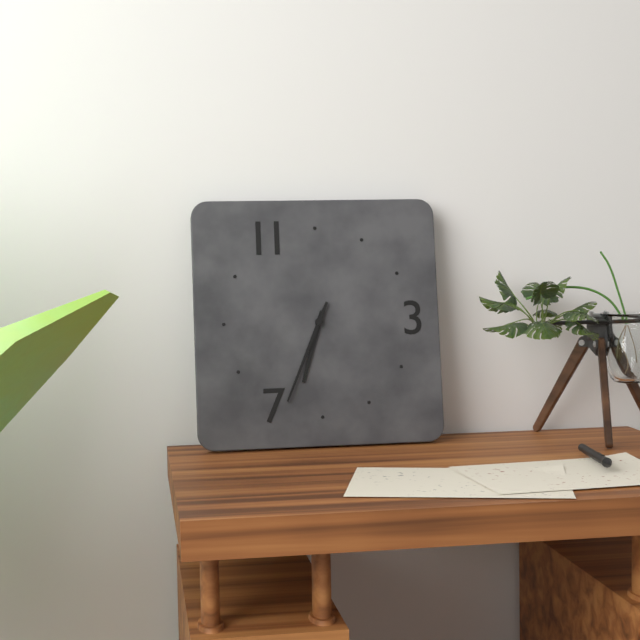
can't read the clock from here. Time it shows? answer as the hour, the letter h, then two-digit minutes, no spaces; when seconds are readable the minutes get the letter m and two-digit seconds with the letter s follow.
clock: 6h34
